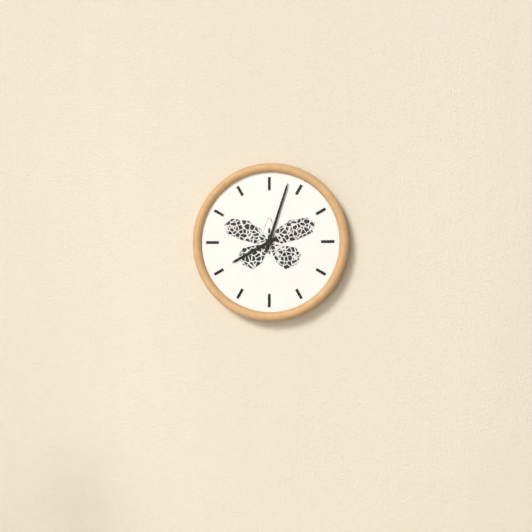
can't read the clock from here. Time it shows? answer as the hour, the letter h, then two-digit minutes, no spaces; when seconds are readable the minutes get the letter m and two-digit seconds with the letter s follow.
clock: 8h03
